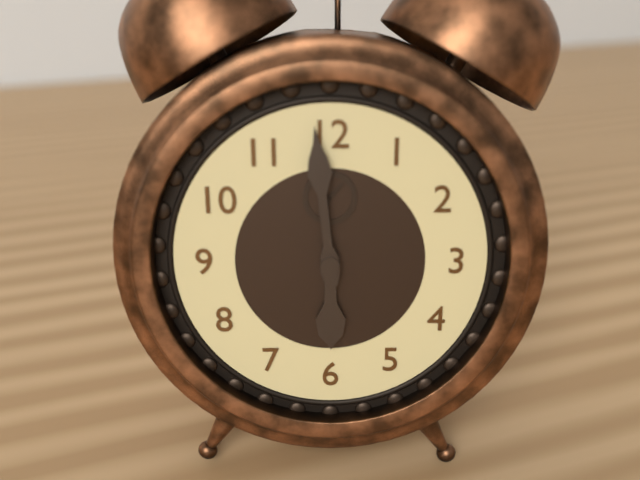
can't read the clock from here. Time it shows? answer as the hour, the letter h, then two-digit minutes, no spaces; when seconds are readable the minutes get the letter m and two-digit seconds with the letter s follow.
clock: 5h59
